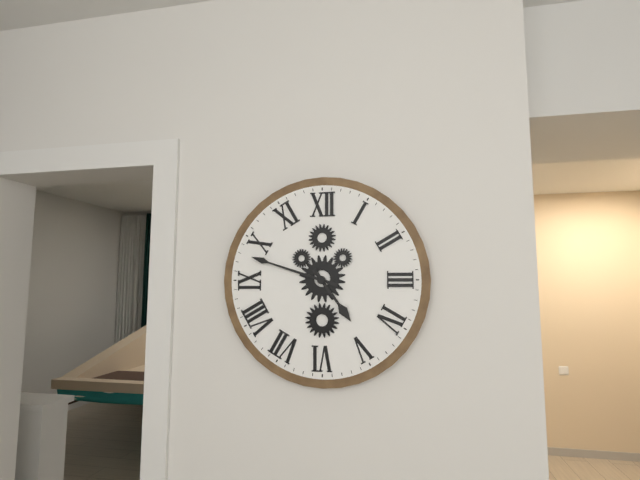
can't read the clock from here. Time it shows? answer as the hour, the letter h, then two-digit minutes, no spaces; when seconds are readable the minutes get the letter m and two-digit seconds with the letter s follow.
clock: 4h48
